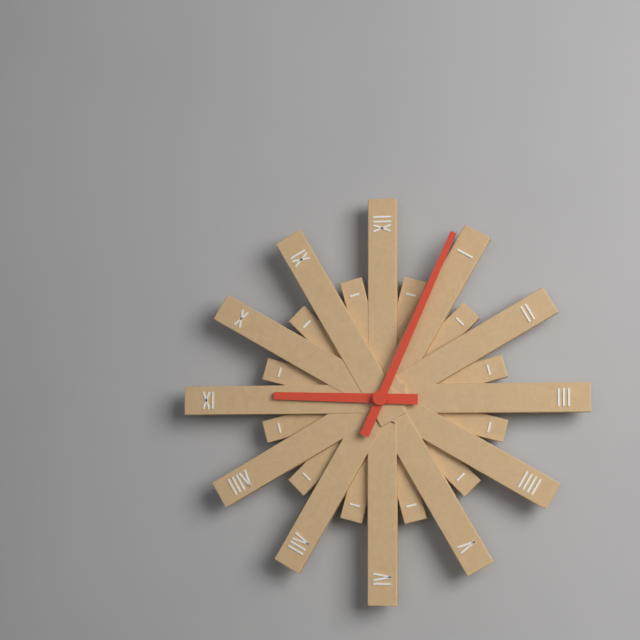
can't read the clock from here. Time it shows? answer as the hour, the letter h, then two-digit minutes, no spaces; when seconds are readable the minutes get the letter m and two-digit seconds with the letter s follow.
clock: 9h04
